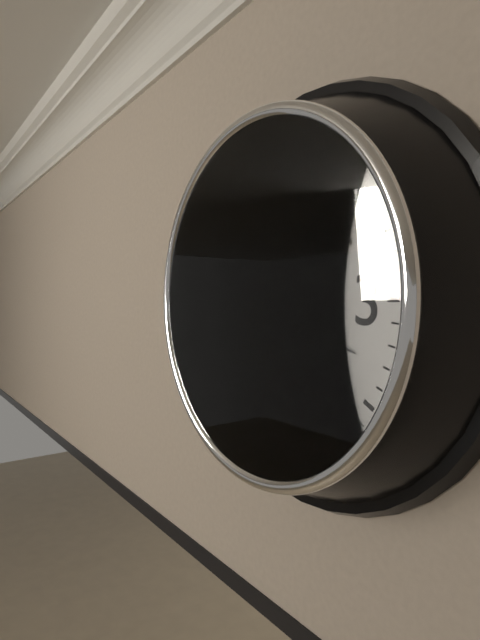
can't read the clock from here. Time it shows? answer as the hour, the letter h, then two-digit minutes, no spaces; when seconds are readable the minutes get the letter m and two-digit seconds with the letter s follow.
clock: 9h18
